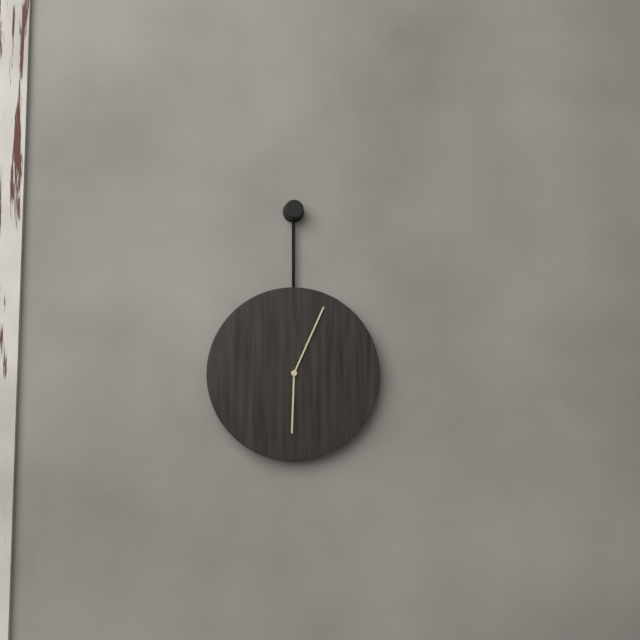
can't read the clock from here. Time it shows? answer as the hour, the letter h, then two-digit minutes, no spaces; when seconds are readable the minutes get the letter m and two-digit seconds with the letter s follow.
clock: 6h04
